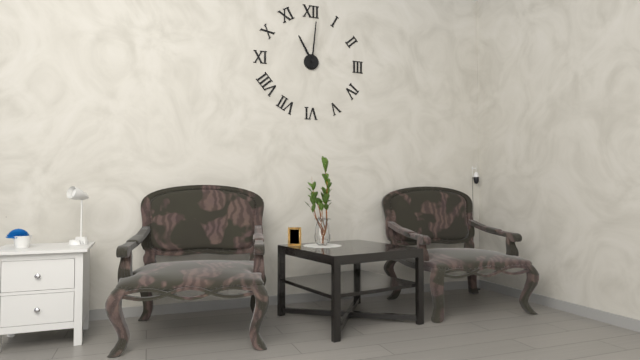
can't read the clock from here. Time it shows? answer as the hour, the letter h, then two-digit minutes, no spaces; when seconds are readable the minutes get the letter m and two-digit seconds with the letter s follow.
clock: 11h01
